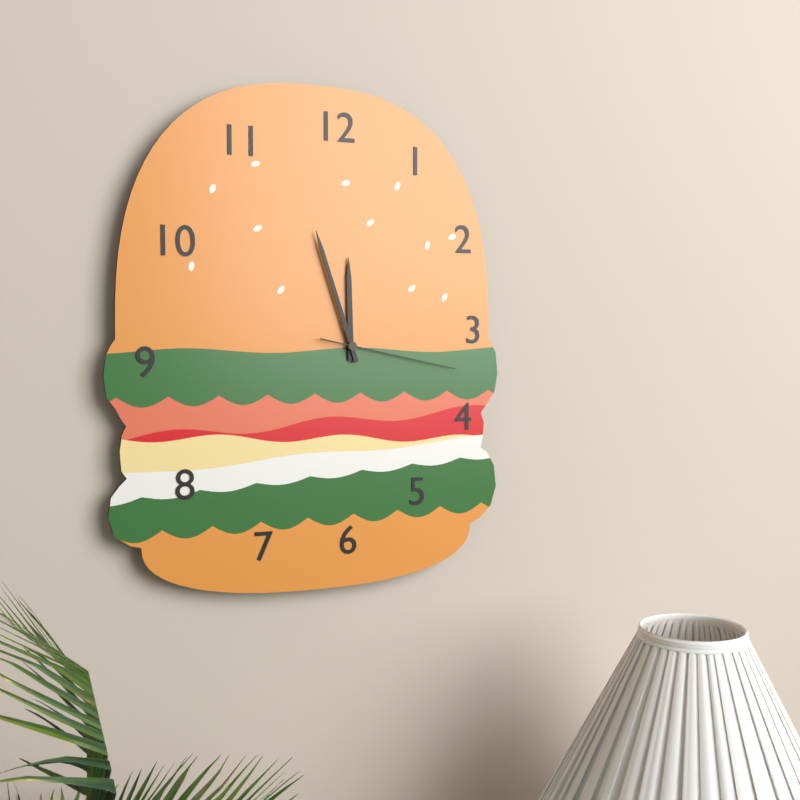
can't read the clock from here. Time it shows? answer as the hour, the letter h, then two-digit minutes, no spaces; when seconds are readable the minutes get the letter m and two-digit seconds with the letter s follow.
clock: 11h57m17s
